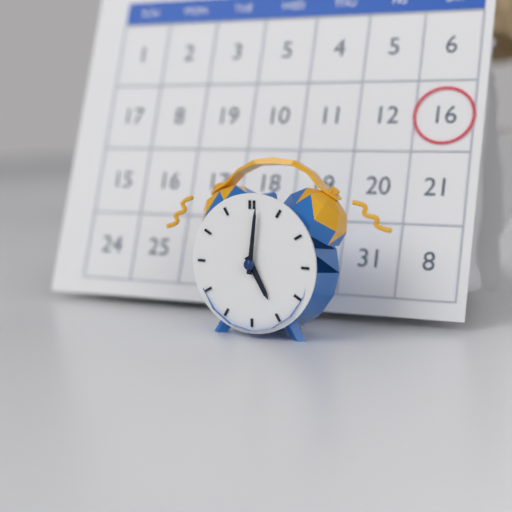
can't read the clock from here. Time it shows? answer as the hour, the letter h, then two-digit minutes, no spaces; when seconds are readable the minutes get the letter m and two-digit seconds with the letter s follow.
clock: 5h01
